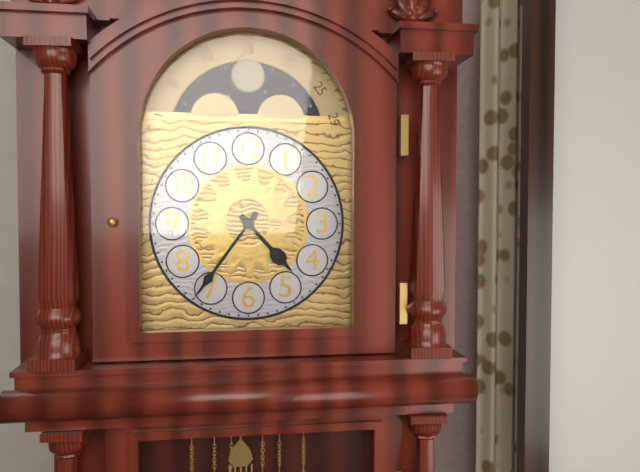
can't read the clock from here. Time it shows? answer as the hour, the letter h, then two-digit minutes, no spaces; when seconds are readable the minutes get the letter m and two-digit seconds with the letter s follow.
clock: 4h36
